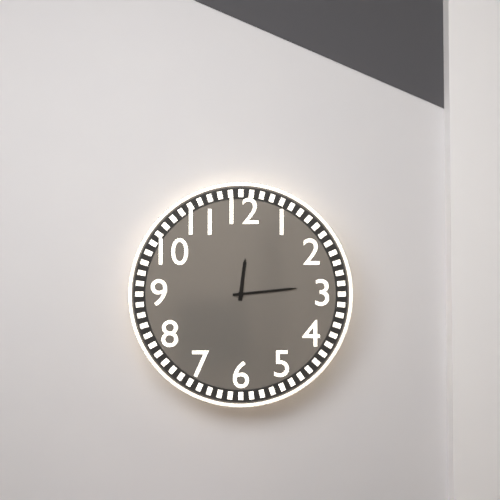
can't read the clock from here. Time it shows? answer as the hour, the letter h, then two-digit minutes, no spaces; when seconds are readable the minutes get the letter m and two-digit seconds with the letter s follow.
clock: 12h14
